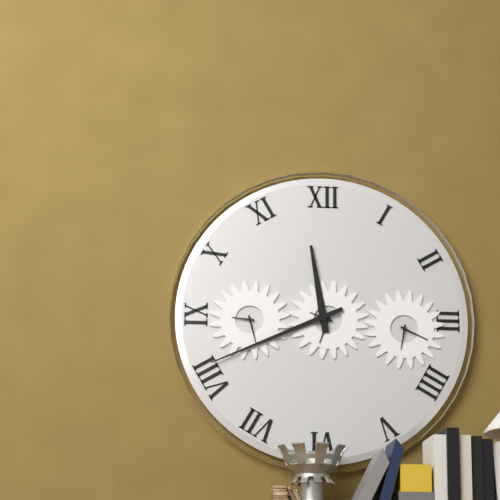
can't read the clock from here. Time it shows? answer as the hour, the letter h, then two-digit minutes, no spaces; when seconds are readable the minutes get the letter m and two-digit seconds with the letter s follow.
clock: 11h41
